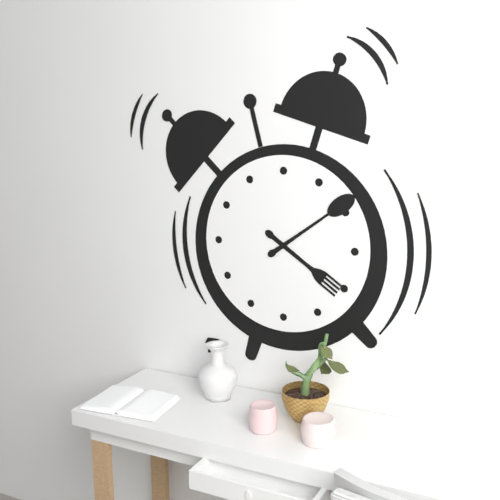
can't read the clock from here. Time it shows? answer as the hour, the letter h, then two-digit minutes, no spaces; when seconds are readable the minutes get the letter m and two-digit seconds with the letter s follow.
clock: 4h09
